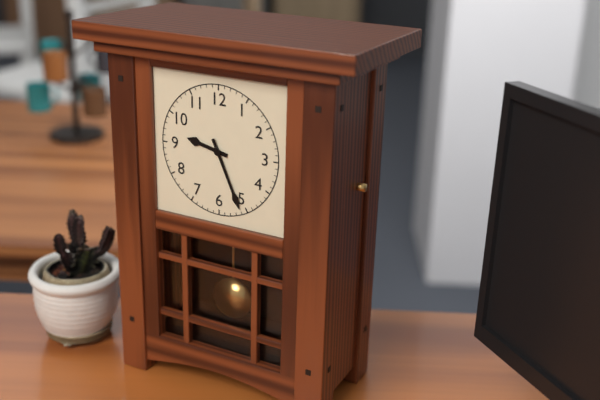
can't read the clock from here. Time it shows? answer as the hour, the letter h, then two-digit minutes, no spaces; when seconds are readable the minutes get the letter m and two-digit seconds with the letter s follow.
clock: 9h26
